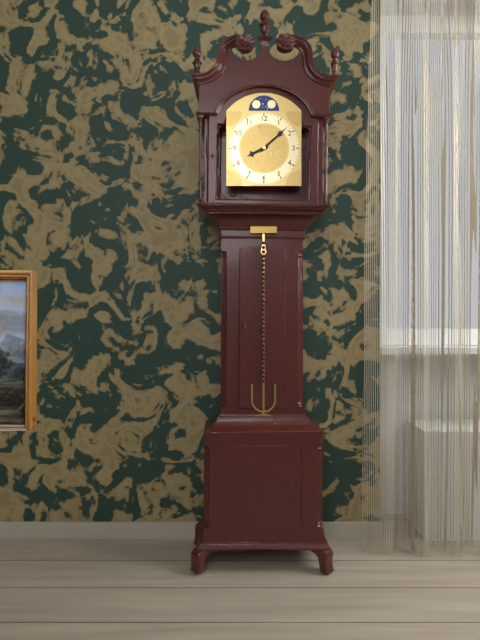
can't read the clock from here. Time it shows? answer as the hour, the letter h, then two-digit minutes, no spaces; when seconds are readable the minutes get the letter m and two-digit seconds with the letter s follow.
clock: 8h08
